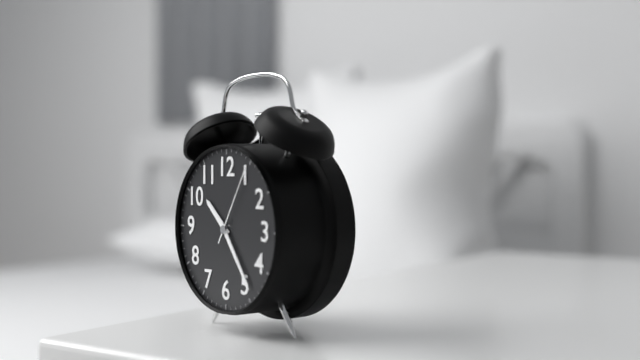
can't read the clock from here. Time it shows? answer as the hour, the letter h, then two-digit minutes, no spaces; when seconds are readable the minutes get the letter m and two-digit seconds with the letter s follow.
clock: 10h24m05s
